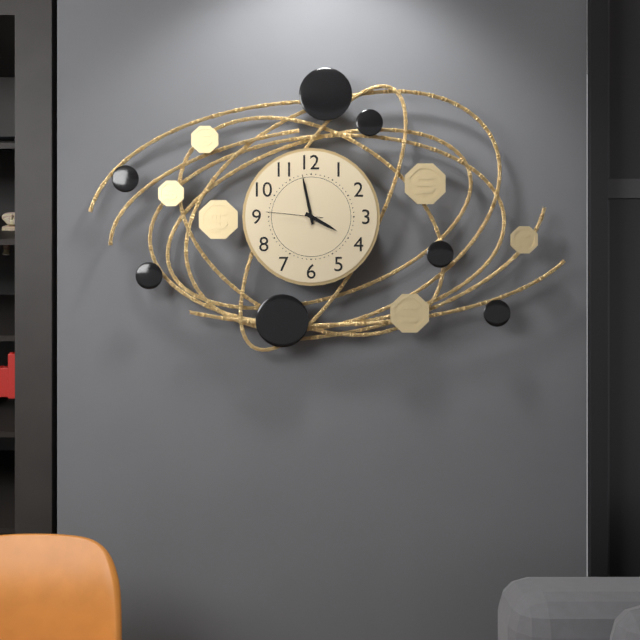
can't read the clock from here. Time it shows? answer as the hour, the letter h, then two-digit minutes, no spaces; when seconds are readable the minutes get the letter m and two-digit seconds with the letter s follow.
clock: 3h58m46s
